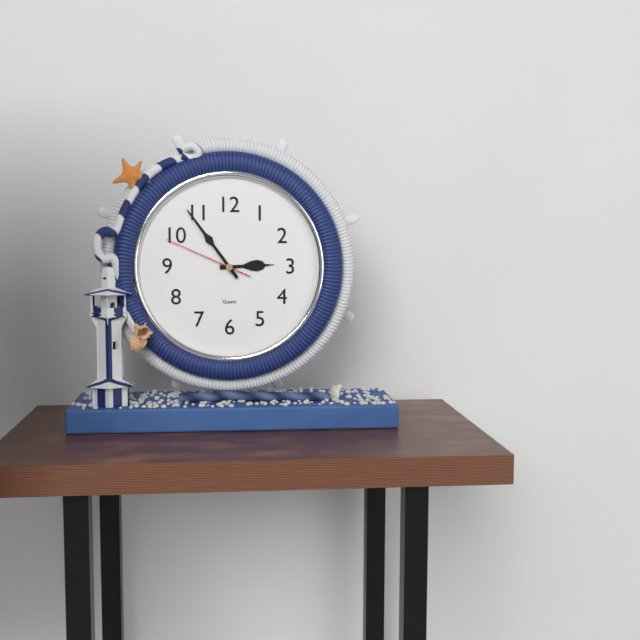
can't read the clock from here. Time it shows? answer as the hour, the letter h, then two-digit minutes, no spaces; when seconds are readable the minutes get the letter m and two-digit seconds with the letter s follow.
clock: 2h54m49s
